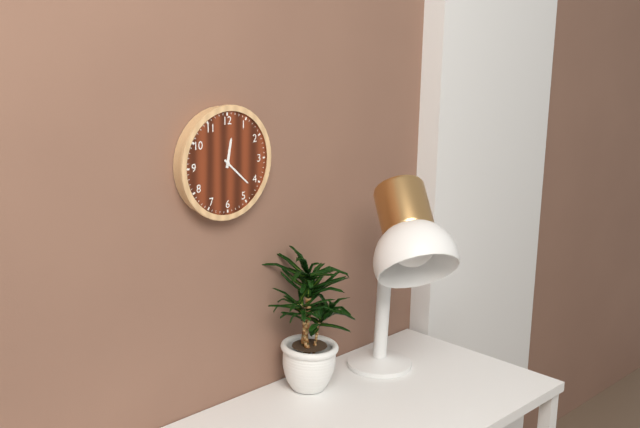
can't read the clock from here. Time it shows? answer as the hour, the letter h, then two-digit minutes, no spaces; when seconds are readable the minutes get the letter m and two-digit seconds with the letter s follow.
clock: 12h22
